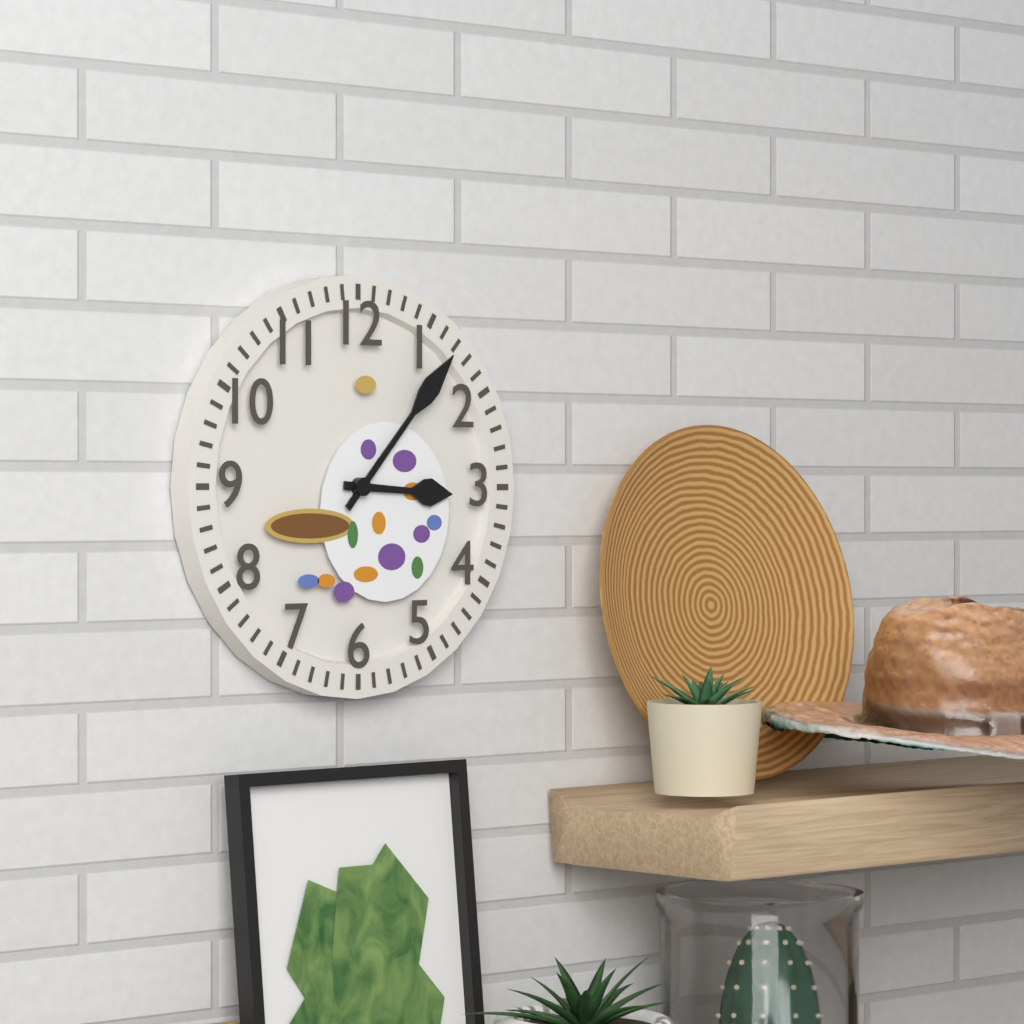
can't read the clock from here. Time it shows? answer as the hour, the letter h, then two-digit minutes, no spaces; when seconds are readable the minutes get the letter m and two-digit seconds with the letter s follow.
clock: 3h07
